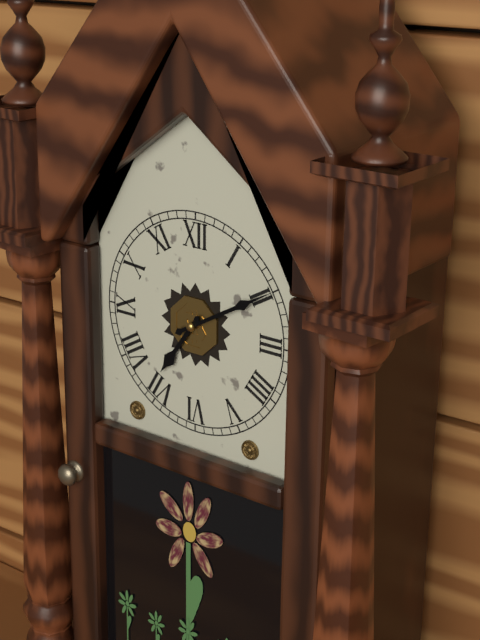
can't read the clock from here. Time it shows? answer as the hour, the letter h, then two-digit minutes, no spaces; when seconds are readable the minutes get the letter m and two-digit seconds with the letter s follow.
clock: 7h10
